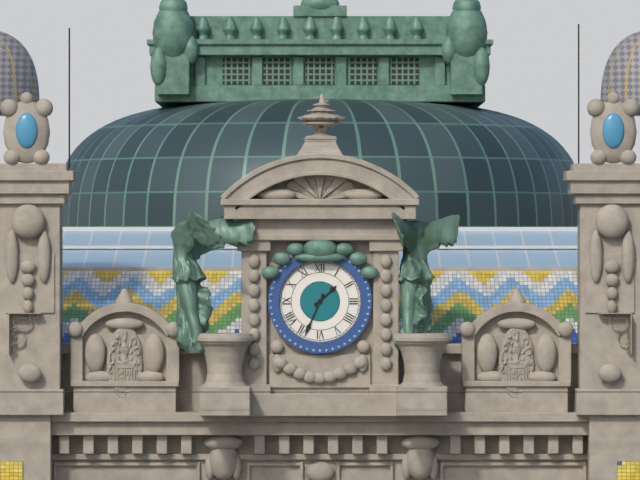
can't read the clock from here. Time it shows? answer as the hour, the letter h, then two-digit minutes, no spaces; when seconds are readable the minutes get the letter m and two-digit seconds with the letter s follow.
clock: 1h34
